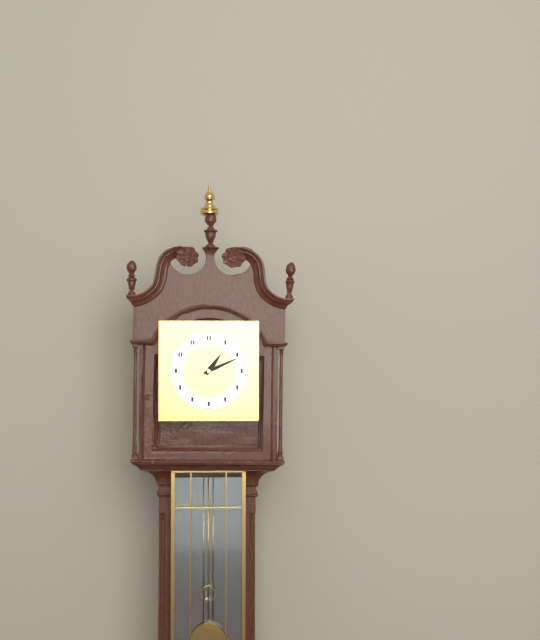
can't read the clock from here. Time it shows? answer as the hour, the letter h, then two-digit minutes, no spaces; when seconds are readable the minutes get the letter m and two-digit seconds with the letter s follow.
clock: 1h11
